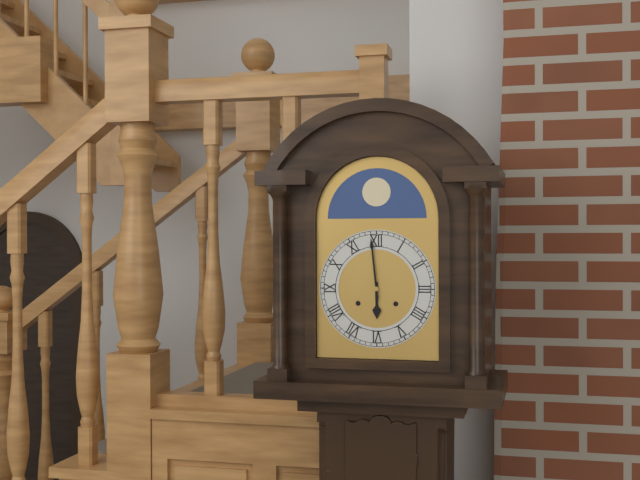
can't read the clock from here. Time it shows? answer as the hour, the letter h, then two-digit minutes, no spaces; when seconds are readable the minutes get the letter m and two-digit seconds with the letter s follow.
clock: 5h59
